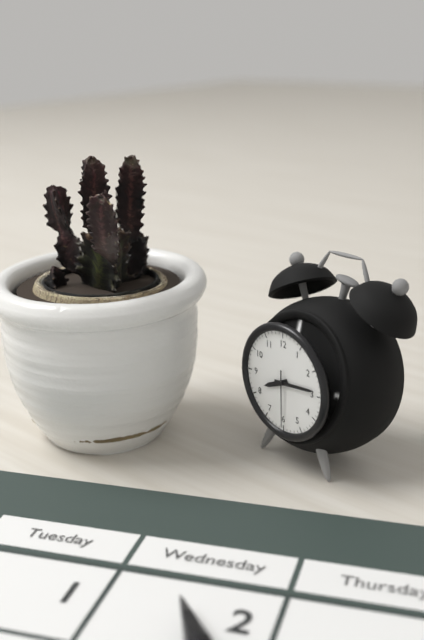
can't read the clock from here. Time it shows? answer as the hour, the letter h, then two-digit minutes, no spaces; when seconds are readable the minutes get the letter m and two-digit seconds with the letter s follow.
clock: 8h14m30s
